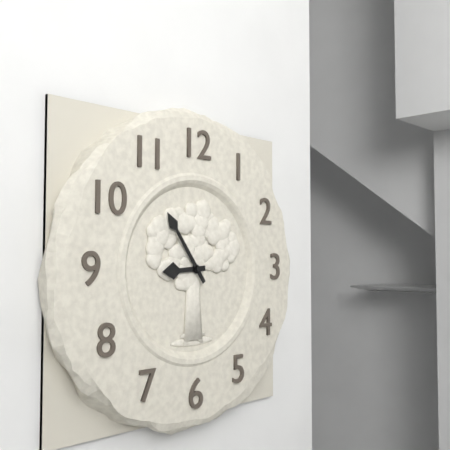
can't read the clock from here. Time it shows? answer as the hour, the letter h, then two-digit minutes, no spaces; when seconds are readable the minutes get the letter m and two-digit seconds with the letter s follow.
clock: 8h54
